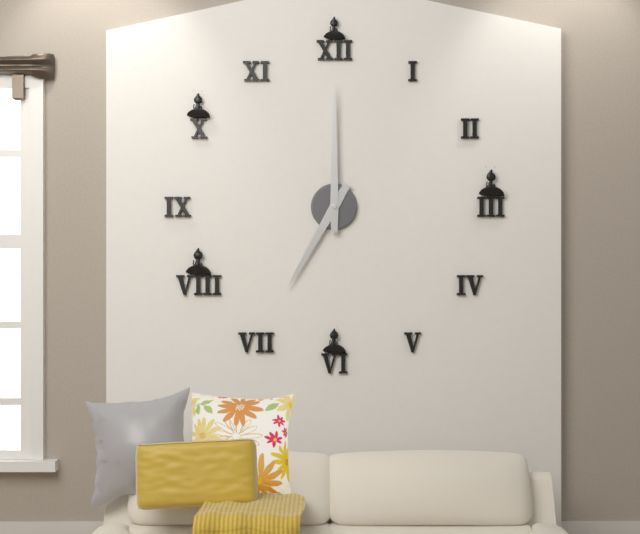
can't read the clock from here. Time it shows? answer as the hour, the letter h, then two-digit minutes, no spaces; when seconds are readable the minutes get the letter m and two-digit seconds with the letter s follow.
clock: 7h00
